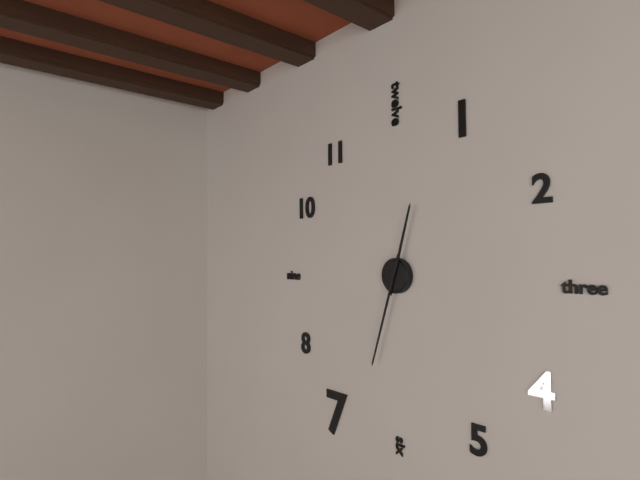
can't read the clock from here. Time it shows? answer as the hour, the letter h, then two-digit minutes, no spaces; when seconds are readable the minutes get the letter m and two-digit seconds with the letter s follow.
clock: 12h33
